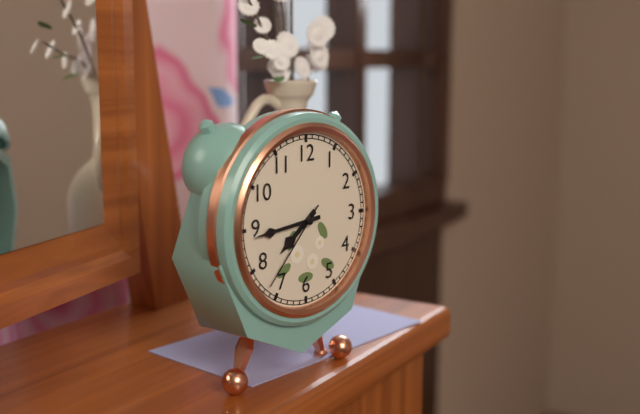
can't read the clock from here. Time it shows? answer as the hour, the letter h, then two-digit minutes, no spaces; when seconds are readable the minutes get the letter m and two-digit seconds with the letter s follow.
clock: 7h44m37s
